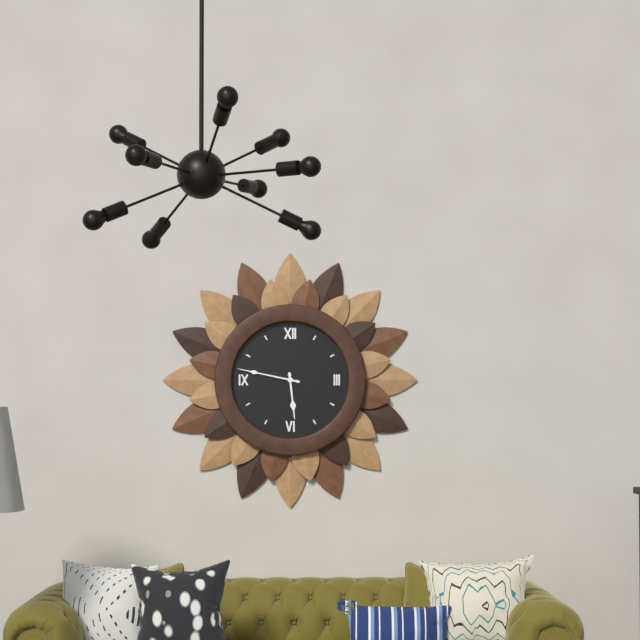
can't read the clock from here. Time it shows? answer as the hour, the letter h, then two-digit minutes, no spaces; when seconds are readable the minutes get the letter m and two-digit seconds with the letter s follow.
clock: 5h47
